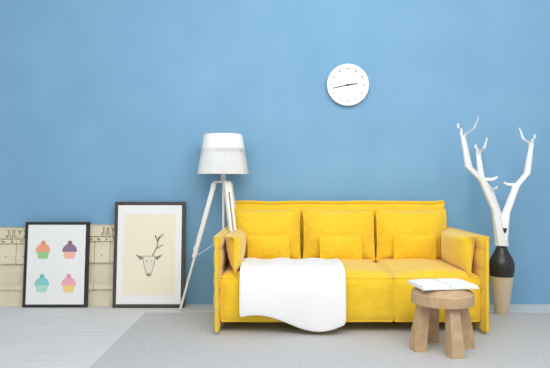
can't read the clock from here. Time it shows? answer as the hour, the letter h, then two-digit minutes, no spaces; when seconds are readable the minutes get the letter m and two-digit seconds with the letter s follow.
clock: 2h43
